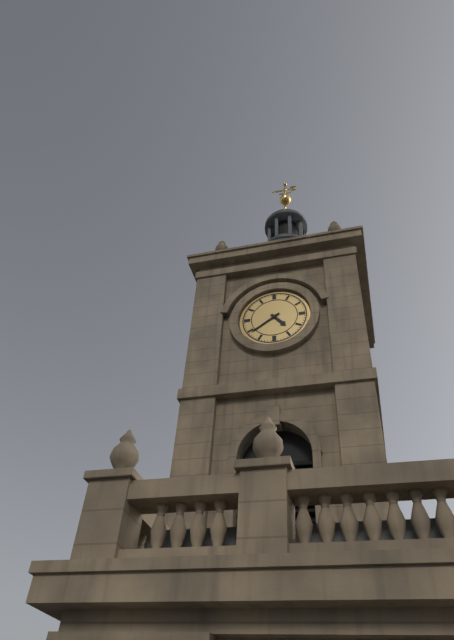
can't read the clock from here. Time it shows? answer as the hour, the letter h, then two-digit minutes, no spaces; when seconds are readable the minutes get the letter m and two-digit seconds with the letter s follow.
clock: 4h39
